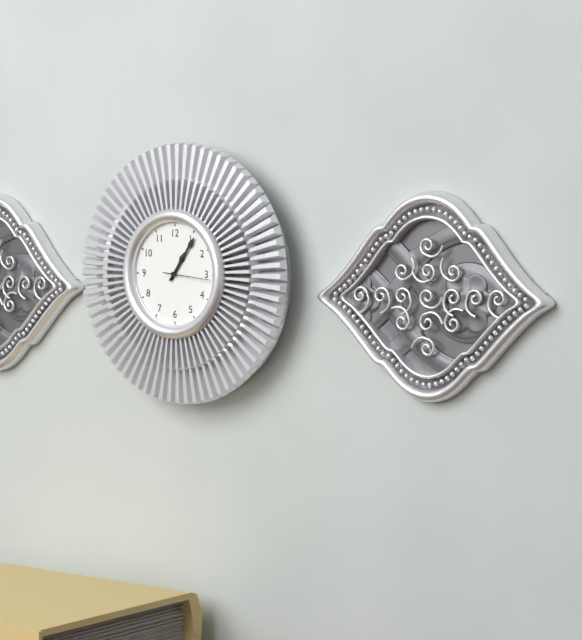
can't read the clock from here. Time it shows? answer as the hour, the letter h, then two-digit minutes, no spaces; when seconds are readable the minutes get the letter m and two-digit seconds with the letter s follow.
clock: 1h06
